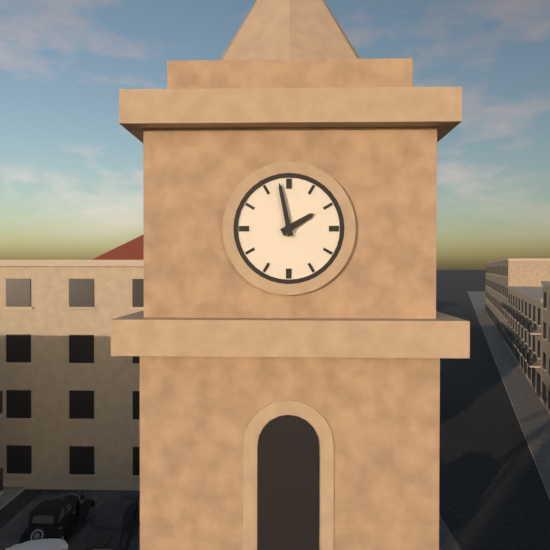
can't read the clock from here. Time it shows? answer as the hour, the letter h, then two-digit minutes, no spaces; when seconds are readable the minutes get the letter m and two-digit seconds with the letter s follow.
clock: 1h58
